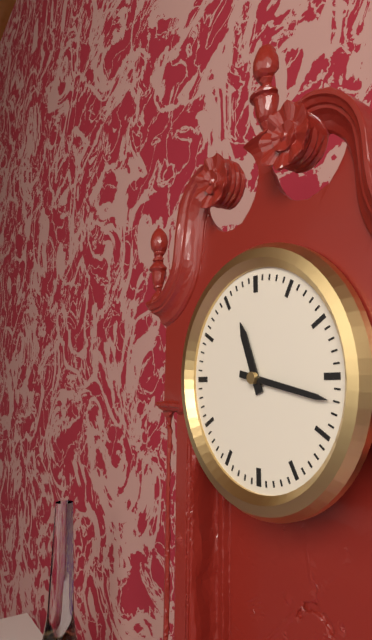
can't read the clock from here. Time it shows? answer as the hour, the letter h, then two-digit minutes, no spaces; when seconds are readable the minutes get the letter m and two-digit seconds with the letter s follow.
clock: 11h17
